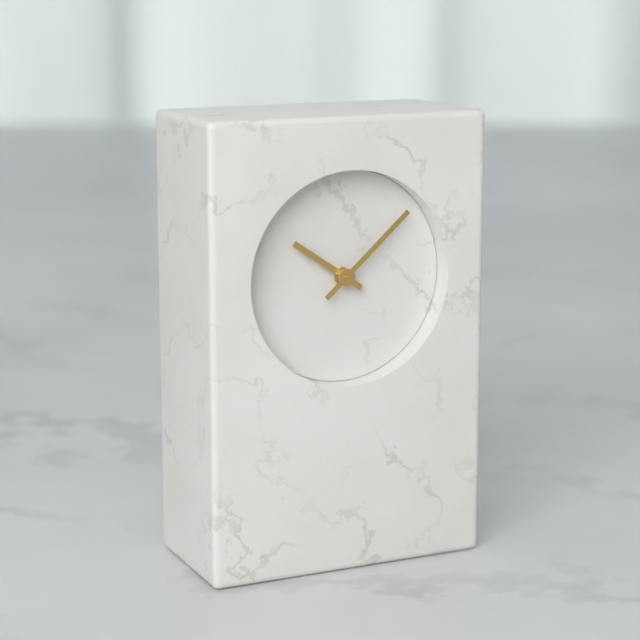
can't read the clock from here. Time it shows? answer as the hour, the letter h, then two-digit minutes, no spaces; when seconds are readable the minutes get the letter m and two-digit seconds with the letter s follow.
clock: 10h08
